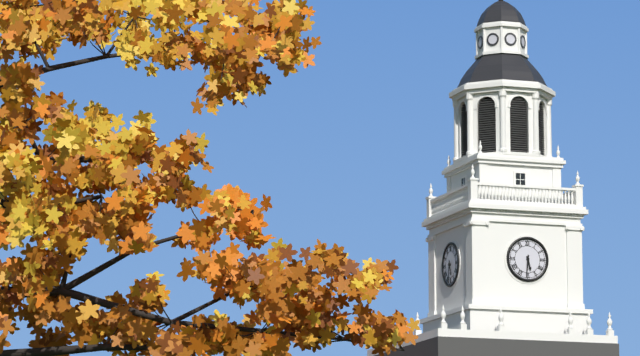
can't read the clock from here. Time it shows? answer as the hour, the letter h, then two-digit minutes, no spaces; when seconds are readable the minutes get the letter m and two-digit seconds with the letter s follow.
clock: 5h31
